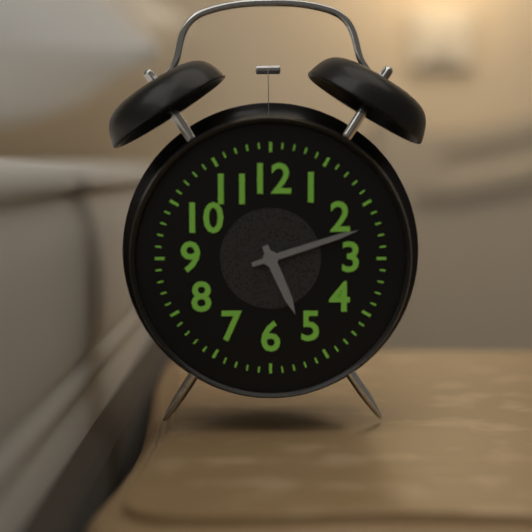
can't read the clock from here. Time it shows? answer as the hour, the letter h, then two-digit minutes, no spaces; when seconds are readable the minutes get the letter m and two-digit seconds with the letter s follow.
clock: 5h12
